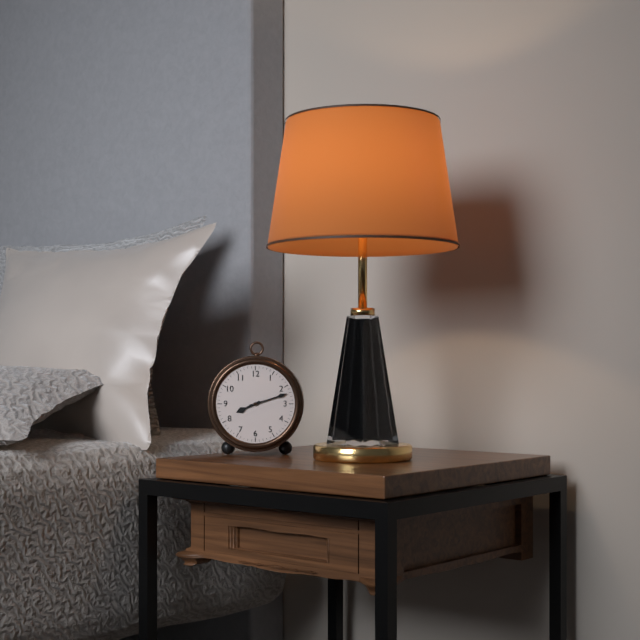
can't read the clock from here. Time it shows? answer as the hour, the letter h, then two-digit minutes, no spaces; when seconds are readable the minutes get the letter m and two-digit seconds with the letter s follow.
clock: 8h12
